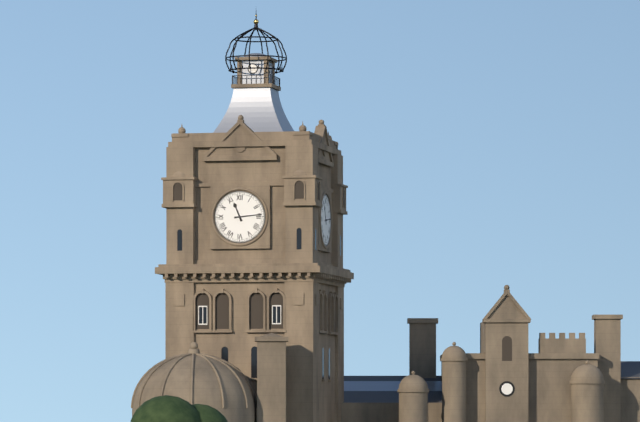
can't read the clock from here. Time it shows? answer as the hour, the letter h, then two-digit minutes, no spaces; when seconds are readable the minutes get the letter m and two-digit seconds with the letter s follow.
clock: 11h14
